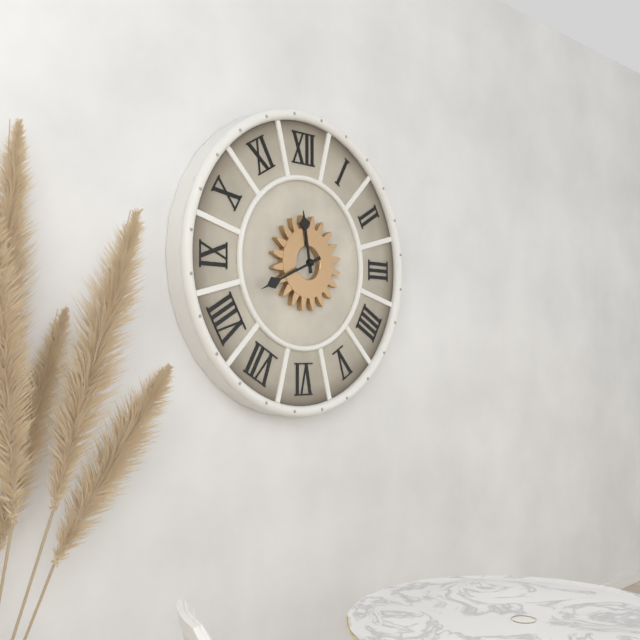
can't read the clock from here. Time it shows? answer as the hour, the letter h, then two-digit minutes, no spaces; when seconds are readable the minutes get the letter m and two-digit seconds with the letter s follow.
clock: 11h41
